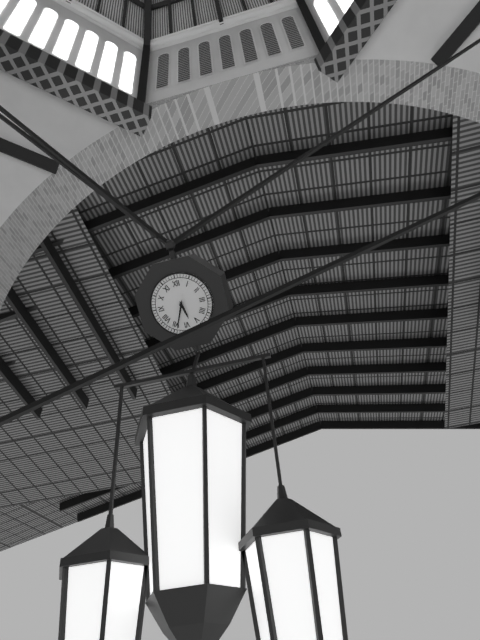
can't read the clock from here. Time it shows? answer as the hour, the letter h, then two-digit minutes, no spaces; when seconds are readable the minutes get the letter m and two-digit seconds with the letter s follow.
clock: 5h34
